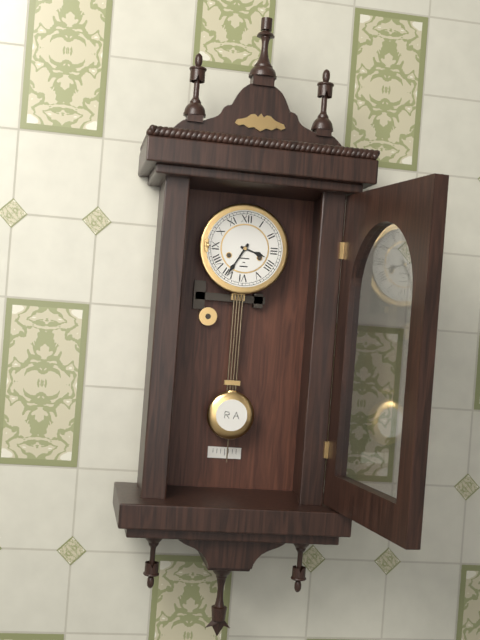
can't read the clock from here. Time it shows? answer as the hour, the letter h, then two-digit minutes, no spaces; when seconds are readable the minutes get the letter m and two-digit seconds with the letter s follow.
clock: 3h35
